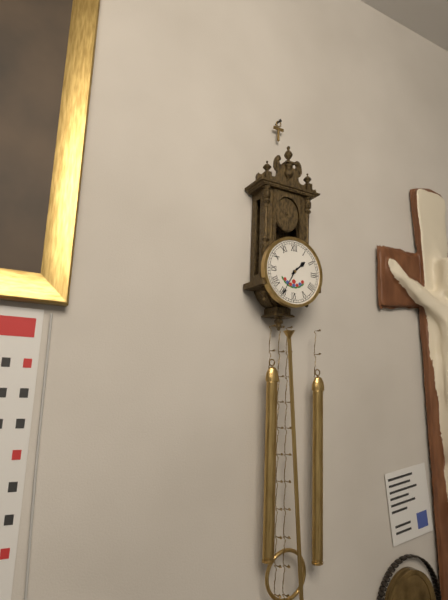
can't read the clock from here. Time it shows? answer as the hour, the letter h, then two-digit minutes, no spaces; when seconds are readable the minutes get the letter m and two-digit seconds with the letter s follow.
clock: 1h35
